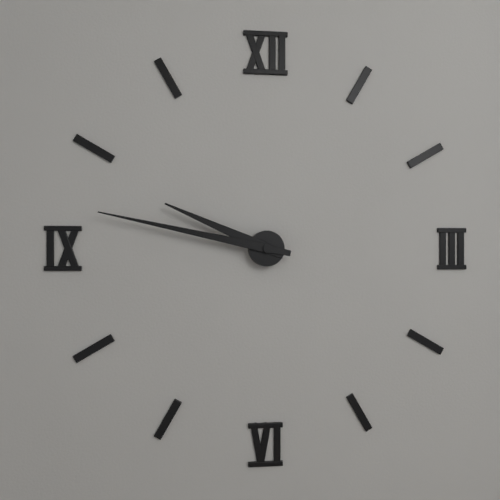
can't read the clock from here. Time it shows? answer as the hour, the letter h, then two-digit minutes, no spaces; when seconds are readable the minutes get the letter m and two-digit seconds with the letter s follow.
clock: 9h47
